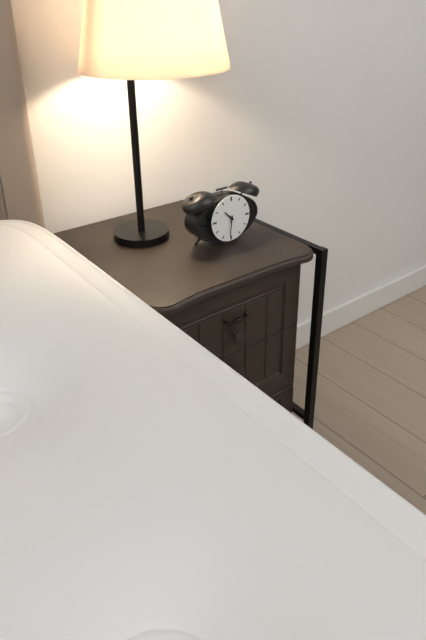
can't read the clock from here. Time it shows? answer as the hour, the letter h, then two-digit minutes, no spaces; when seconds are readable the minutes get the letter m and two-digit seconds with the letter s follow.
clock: 10h31
